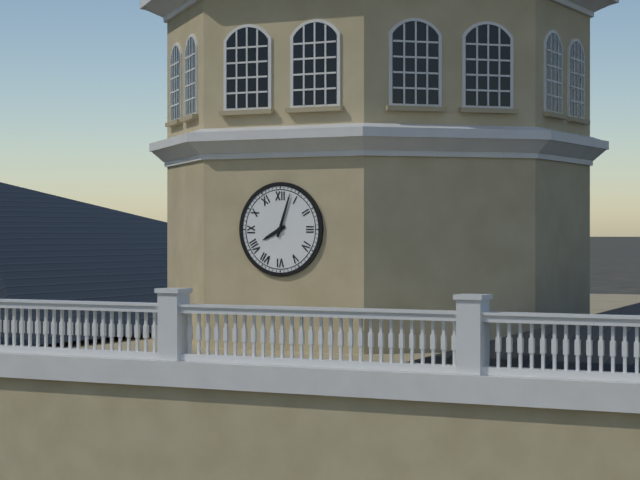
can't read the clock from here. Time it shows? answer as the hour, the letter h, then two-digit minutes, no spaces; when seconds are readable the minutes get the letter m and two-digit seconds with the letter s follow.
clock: 8h03
